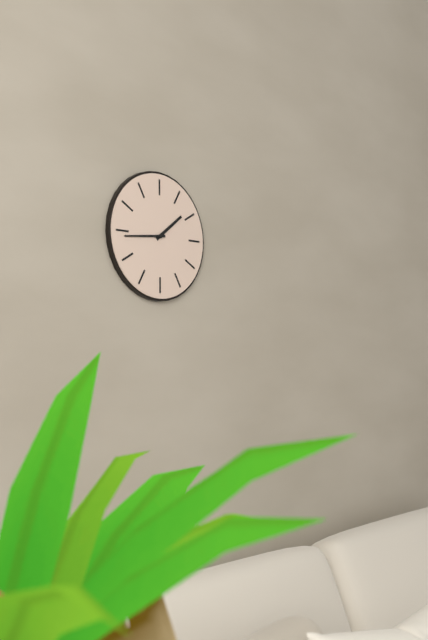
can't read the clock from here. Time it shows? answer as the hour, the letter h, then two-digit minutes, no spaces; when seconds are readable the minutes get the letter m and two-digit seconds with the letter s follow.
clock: 1h44
